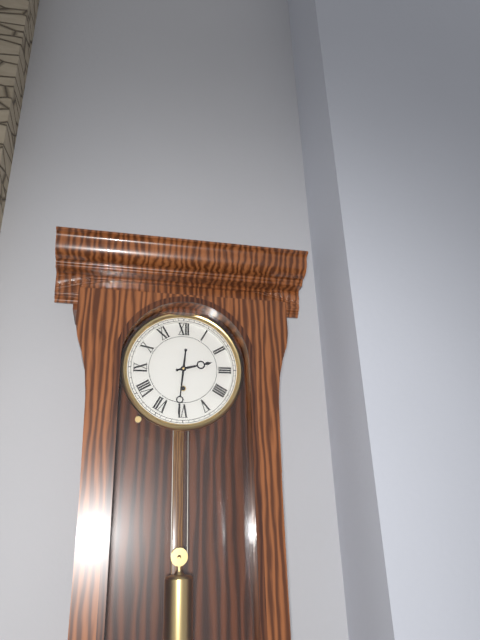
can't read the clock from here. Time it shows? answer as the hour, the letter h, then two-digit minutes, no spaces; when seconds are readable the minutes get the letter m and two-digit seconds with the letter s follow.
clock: 2h31
